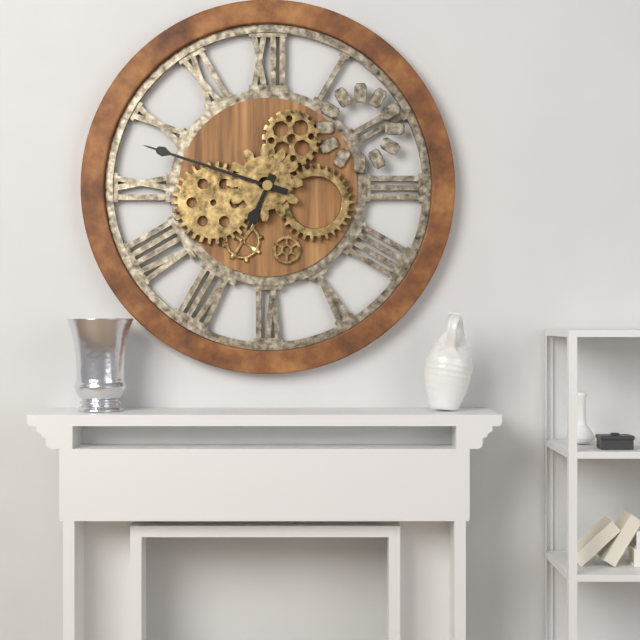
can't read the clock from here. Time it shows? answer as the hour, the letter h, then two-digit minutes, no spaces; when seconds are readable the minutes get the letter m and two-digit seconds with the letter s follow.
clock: 6h48
